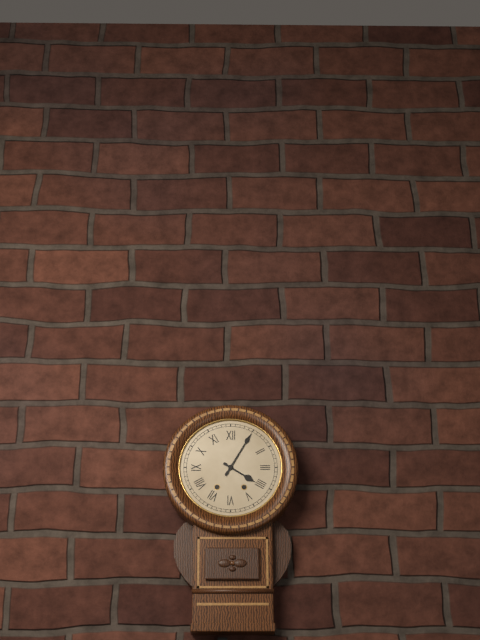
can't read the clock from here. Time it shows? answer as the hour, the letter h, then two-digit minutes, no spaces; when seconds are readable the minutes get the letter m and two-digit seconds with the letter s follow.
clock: 4h05
